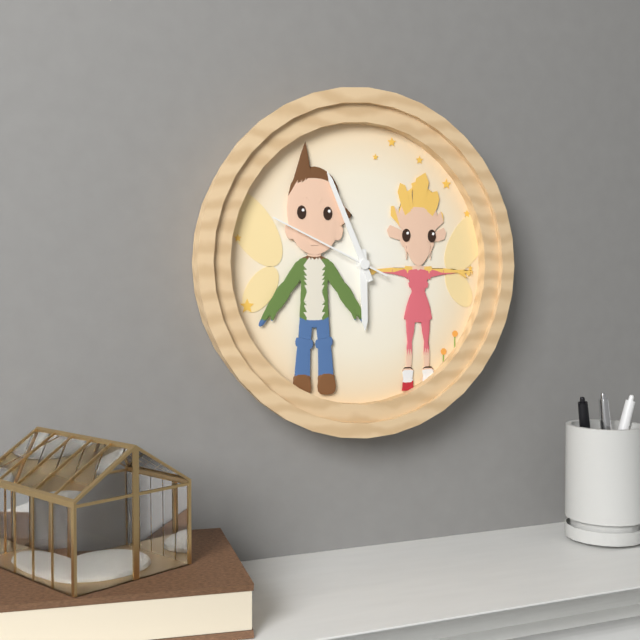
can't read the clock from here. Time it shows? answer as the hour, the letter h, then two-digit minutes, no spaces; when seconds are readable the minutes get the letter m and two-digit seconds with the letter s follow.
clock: 5h56m49s
